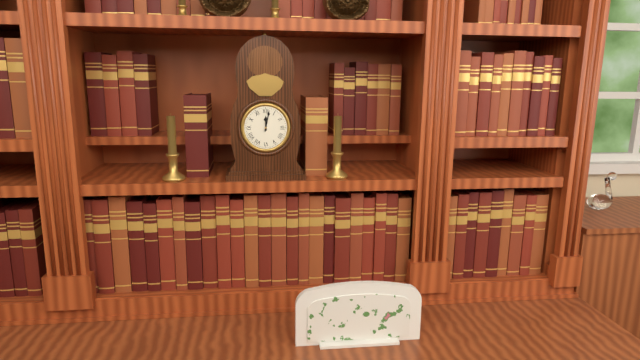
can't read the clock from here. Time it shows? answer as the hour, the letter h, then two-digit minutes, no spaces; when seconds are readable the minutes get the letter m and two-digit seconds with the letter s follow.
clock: 12h02
